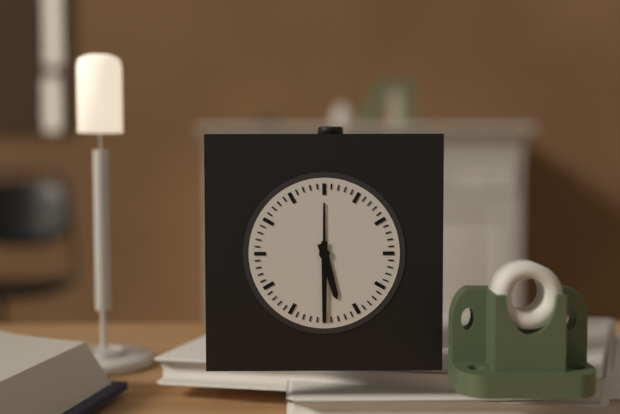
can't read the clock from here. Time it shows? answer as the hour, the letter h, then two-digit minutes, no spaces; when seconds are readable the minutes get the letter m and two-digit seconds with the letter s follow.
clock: 5h30
